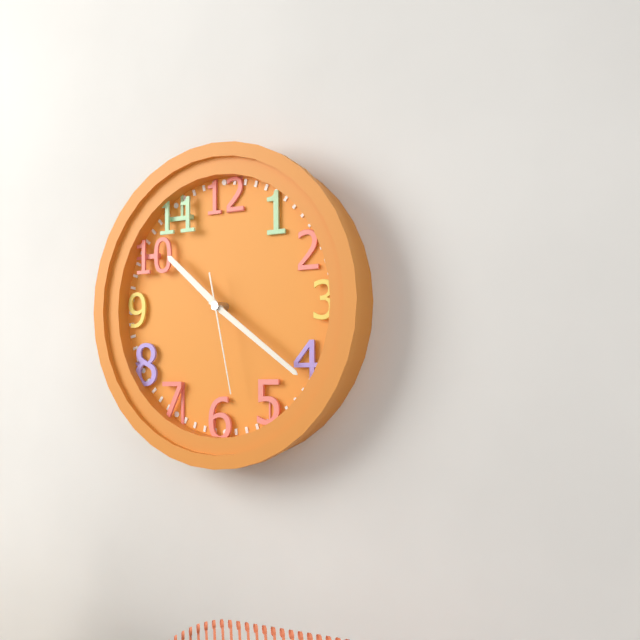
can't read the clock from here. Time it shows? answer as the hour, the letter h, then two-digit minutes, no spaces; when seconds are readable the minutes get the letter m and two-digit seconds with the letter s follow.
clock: 10h21m28s
